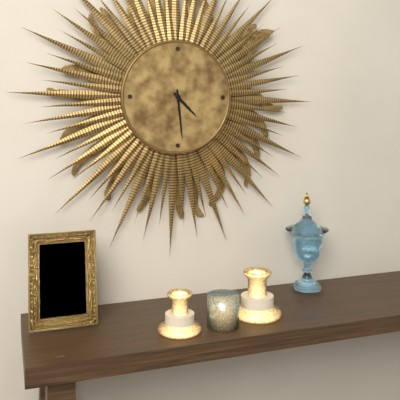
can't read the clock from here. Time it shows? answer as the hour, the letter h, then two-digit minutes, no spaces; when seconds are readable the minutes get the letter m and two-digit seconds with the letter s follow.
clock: 4h29
